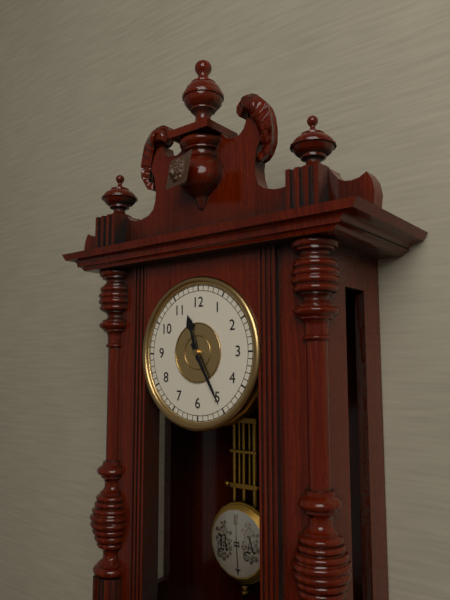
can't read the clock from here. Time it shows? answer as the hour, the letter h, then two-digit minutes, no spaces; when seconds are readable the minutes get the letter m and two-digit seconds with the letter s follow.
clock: 11h25
